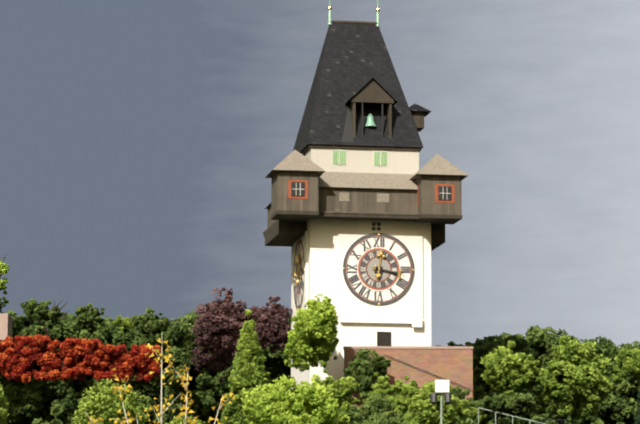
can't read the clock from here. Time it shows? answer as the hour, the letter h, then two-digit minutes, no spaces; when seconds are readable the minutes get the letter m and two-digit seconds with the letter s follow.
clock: 12h17
